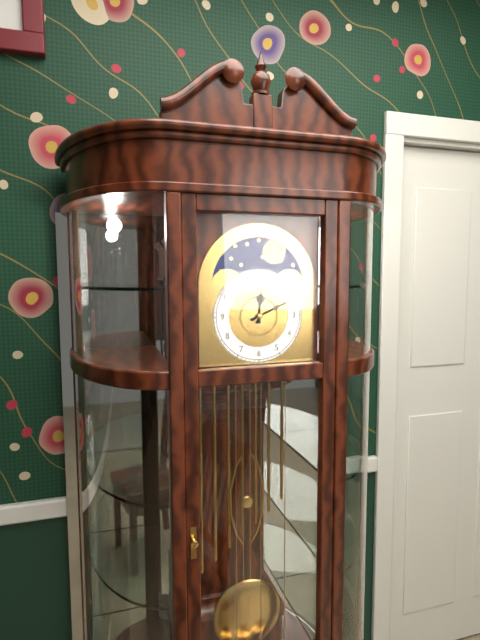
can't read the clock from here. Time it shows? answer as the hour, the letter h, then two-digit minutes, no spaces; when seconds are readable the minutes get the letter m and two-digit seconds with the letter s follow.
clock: 12h11
